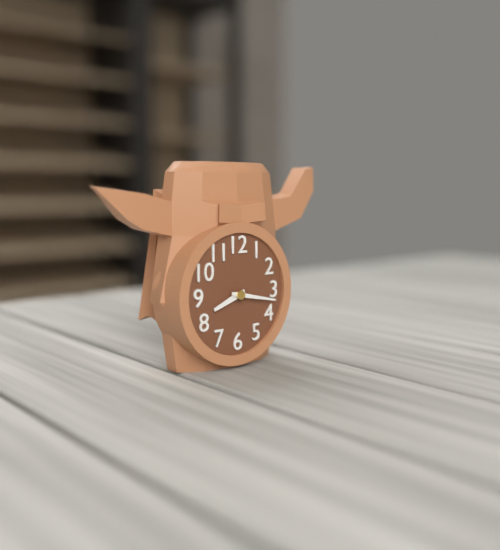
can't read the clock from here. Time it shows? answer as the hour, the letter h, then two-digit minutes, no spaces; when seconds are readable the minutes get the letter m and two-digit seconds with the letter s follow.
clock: 8h17
